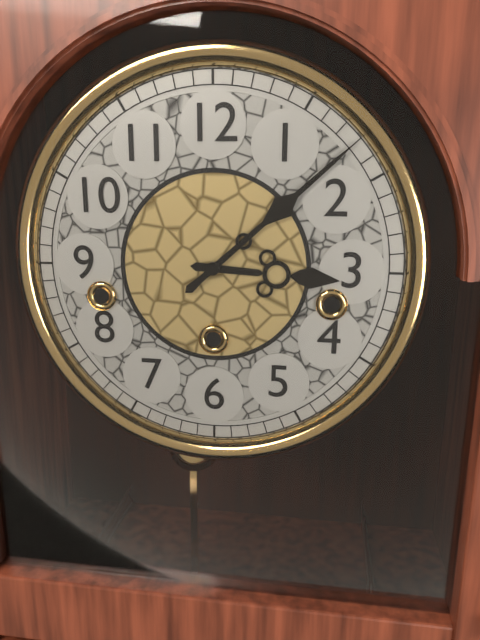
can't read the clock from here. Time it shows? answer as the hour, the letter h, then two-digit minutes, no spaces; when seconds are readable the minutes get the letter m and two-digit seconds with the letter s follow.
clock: 3h08
